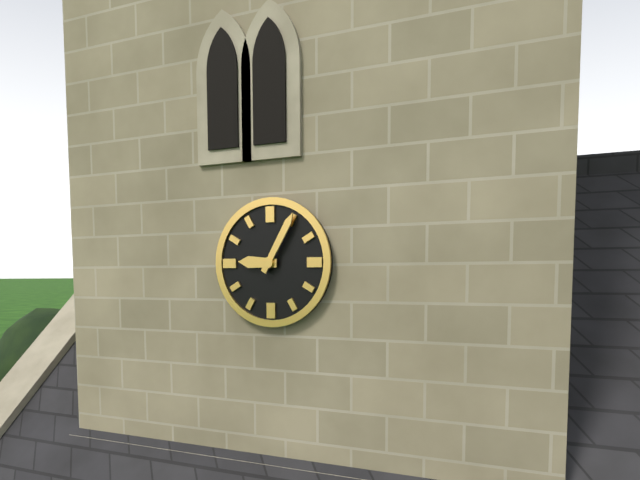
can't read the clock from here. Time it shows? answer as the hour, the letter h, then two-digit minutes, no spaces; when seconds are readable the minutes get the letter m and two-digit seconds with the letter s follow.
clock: 9h05
